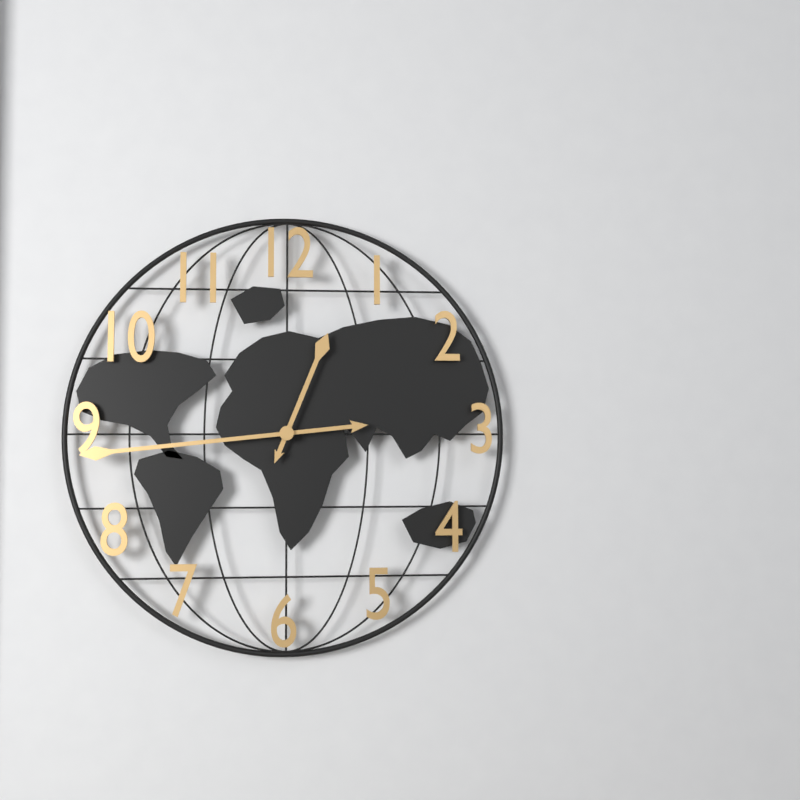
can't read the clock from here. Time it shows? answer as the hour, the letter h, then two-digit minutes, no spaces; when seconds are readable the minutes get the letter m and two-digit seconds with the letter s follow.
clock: 12h44
